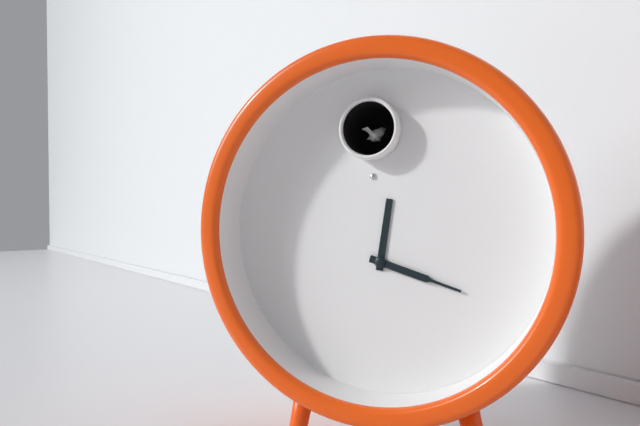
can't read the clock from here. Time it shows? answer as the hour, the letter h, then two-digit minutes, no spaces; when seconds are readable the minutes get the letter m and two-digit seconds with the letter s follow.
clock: 12h18
